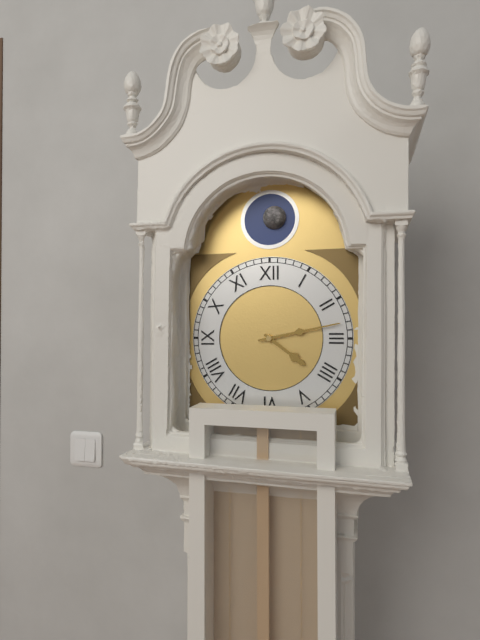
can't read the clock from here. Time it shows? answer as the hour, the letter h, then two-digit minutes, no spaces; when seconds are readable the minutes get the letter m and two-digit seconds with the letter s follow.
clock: 4h13
